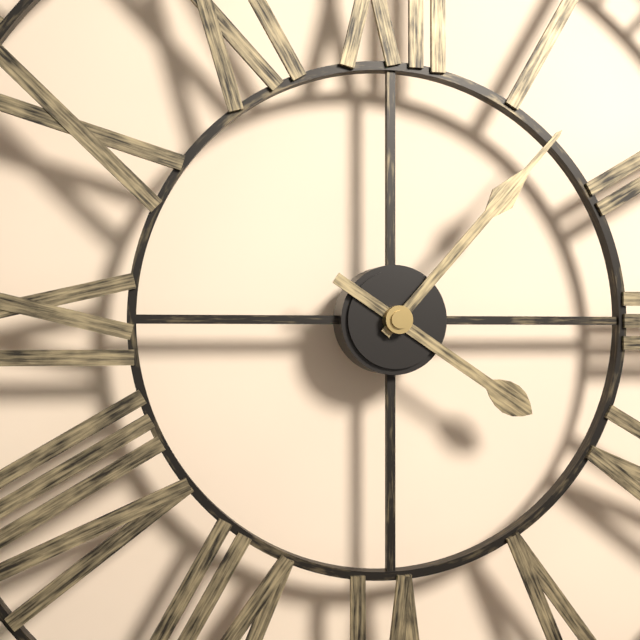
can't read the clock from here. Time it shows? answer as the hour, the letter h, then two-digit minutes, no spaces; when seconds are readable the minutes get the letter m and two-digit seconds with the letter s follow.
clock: 4h07
